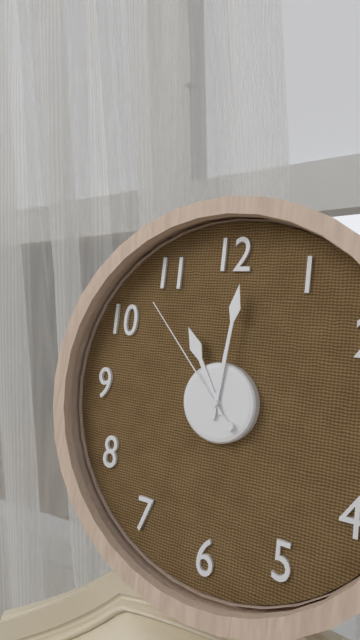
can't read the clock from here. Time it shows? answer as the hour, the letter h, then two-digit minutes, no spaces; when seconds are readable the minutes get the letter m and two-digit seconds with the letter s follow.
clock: 11h01m53s
